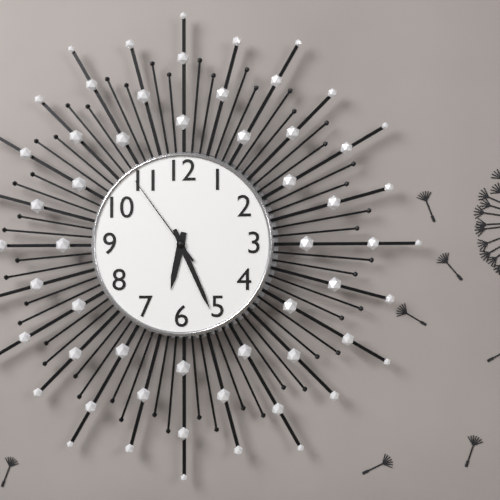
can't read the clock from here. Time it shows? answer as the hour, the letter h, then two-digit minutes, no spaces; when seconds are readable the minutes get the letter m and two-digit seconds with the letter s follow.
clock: 6h26m54s
